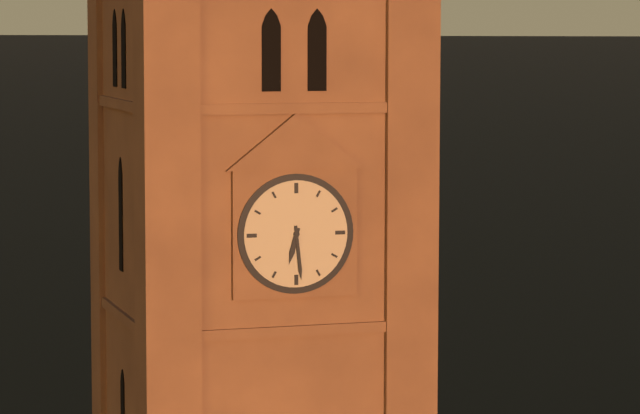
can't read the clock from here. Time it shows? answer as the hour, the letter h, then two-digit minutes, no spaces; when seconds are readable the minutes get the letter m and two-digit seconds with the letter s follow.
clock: 6h29
